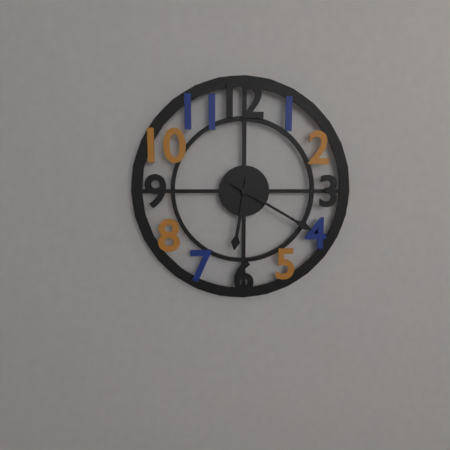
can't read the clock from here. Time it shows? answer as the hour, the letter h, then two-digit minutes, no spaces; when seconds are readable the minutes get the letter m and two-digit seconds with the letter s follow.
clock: 6h20
